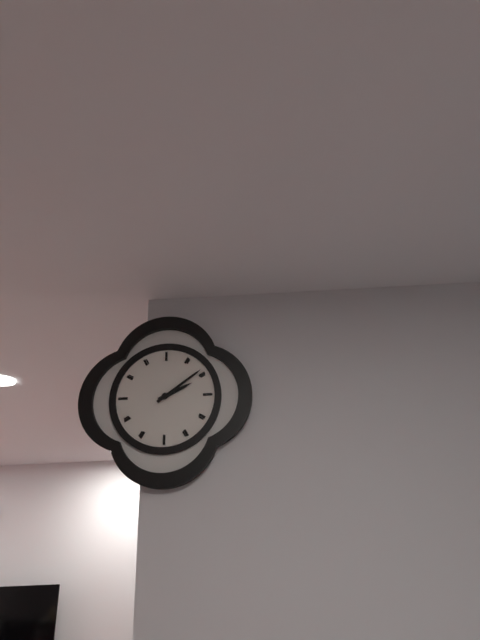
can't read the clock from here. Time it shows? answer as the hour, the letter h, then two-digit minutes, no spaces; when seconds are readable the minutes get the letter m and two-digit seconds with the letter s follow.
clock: 2h09
